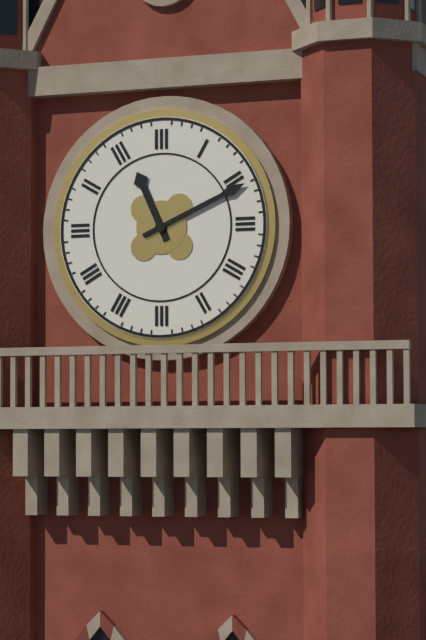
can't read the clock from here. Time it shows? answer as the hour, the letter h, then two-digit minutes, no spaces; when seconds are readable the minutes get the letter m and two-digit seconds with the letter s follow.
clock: 11h11
